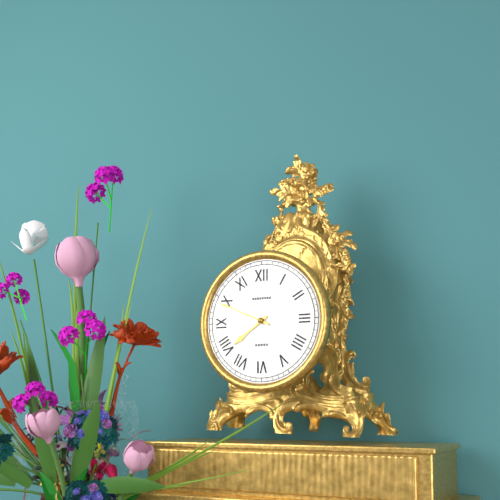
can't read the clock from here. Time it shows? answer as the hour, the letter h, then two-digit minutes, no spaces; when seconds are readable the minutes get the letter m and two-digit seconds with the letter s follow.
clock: 7h49
